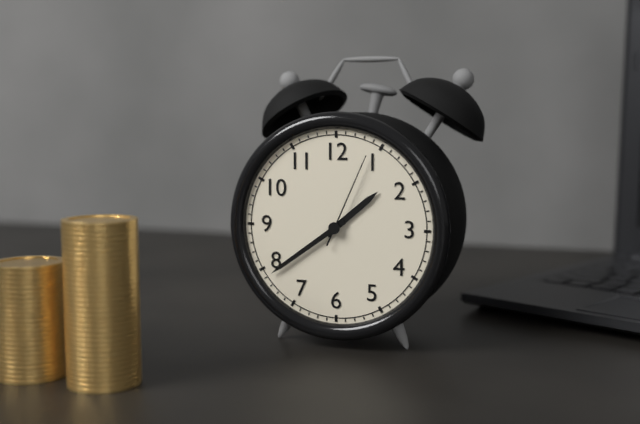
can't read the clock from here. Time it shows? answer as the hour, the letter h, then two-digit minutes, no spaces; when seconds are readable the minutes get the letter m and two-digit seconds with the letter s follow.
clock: 1h39m04s
